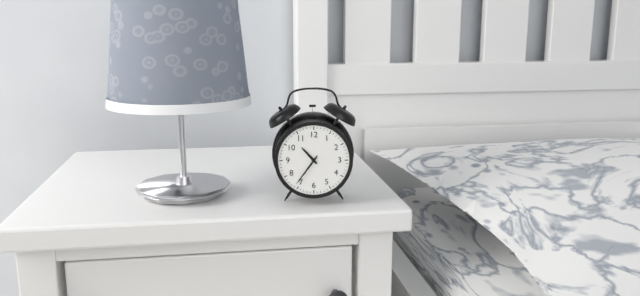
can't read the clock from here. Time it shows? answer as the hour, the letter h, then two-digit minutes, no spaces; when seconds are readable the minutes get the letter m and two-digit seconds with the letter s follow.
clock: 10h36
